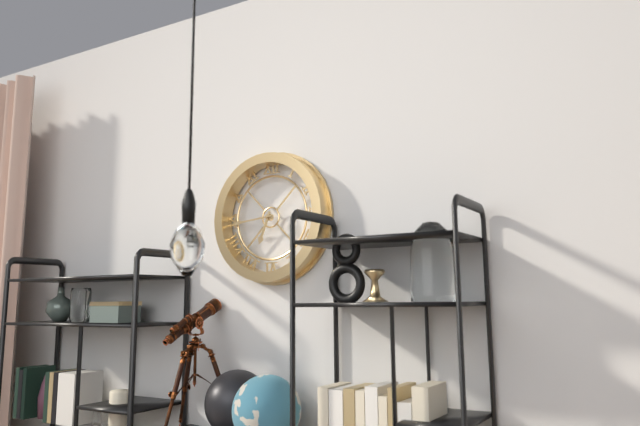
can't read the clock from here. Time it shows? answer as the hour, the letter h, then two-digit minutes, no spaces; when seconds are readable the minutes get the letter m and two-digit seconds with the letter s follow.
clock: 6h44
